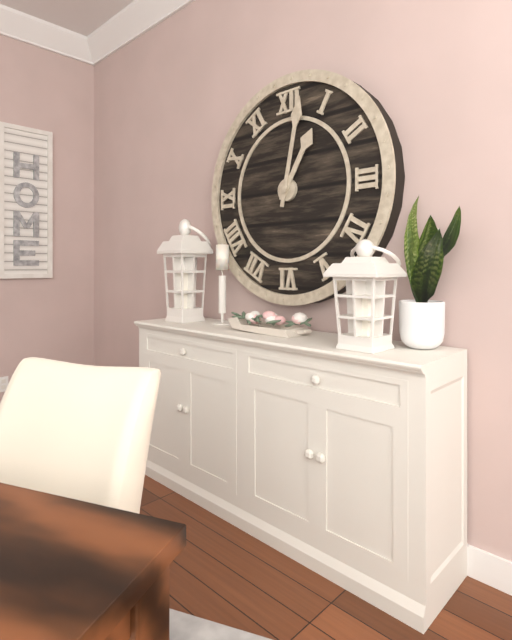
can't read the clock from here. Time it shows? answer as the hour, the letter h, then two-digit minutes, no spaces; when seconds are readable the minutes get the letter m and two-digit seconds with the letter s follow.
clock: 1h02
